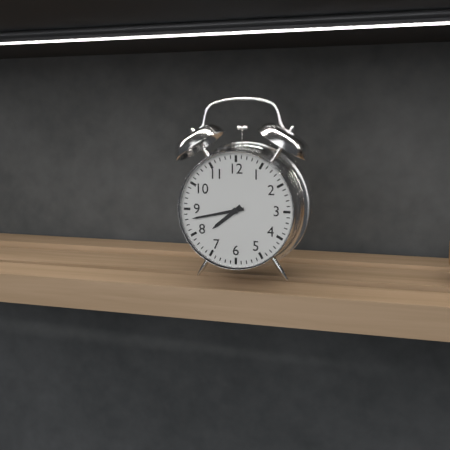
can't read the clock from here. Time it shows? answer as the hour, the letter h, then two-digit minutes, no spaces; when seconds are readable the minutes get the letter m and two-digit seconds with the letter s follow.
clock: 7h43
